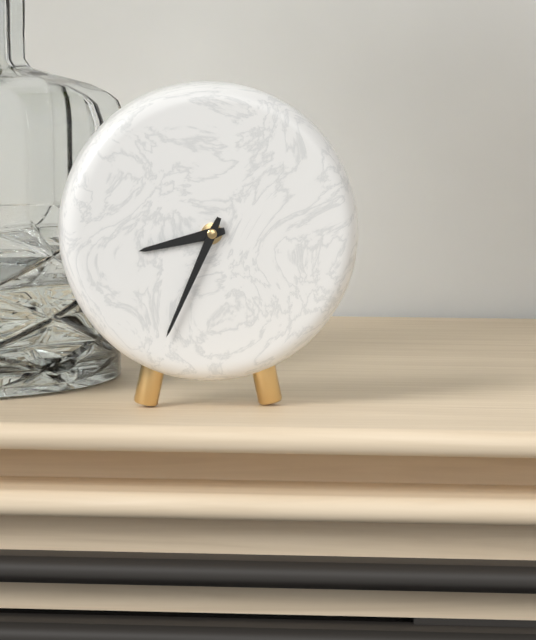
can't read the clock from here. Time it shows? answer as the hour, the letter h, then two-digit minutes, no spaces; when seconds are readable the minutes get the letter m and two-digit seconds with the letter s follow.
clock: 8h34
